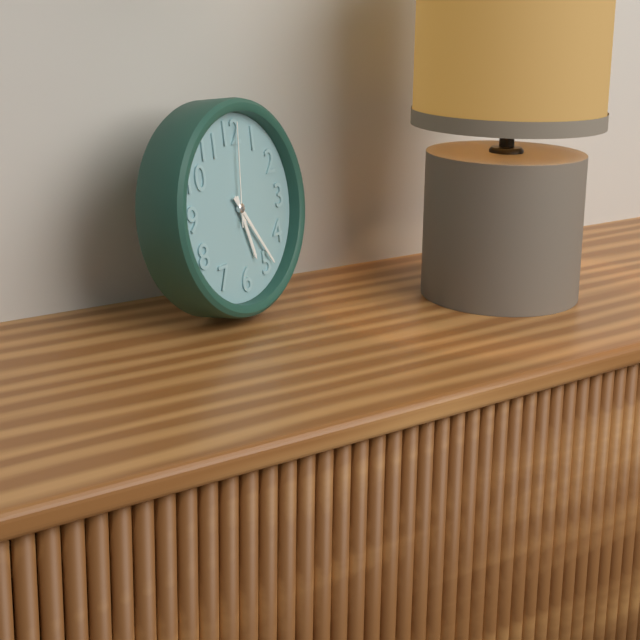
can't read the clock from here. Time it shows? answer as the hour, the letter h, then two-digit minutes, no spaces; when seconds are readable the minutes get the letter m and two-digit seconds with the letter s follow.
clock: 5h24m01s
